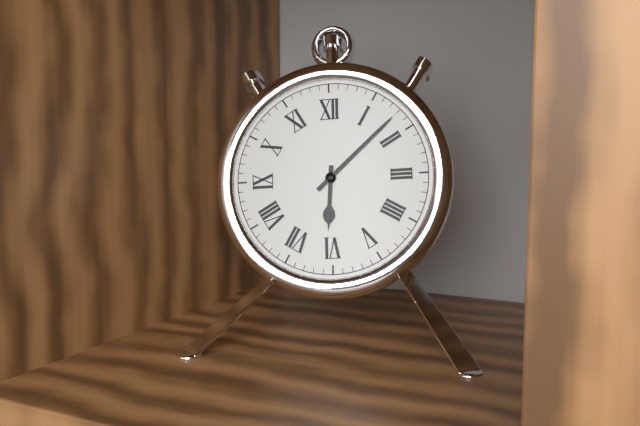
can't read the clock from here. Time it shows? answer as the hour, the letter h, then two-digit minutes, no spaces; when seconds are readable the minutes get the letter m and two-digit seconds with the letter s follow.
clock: 6h08
